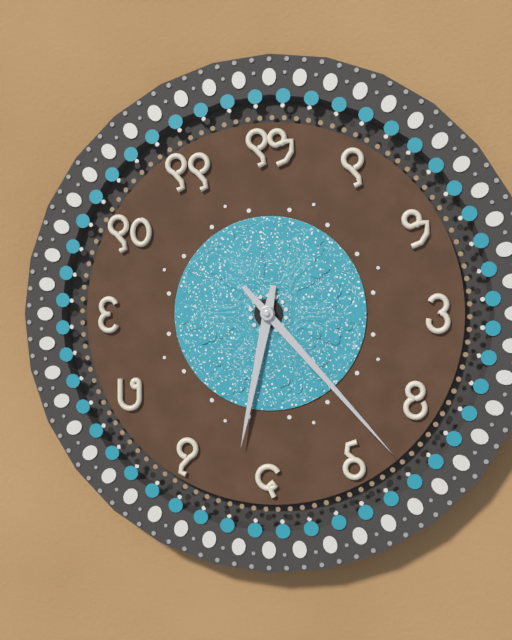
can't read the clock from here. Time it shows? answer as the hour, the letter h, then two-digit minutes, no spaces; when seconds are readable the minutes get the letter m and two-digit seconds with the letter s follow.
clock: 6h23
